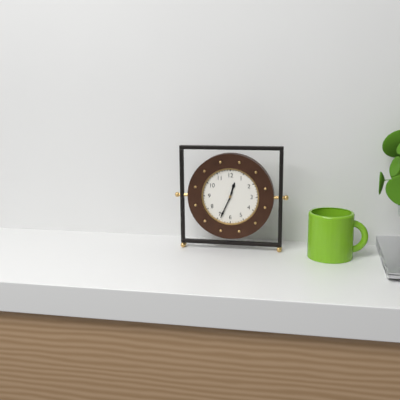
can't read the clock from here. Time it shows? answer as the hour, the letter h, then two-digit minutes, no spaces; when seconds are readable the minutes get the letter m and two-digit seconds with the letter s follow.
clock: 12h34
